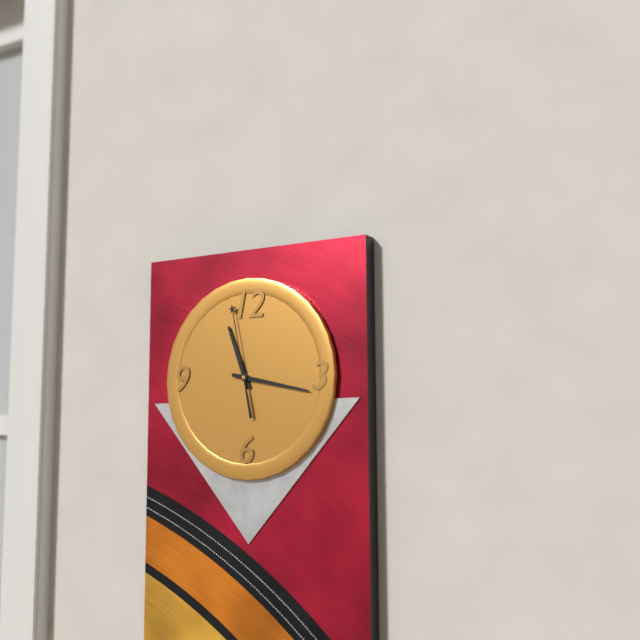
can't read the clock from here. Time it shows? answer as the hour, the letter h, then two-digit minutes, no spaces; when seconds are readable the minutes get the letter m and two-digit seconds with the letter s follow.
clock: 11h17m58s
